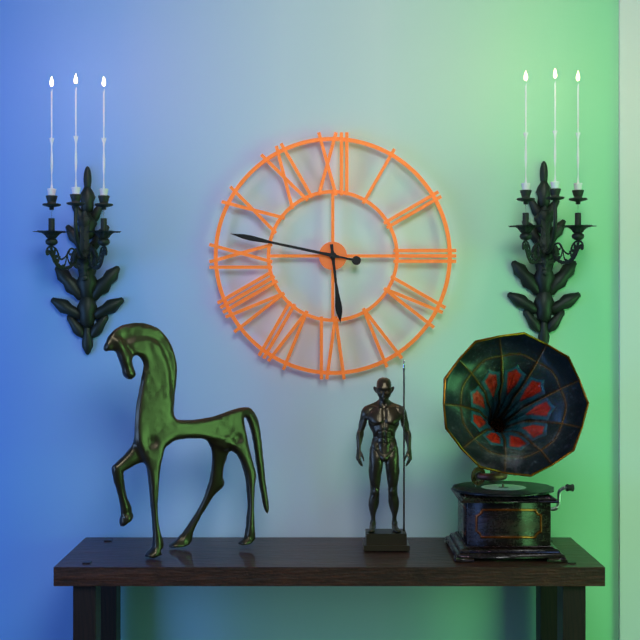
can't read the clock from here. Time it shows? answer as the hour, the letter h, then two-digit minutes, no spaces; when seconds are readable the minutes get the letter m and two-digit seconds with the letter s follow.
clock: 5h47
